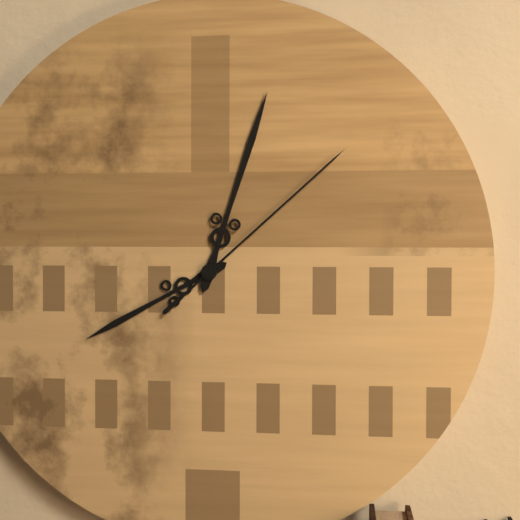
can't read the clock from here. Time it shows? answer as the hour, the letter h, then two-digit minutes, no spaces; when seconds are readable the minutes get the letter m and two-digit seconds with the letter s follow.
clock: 8h03m08s
